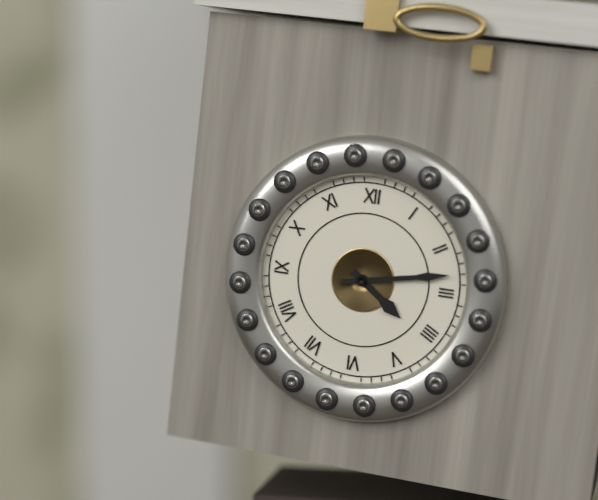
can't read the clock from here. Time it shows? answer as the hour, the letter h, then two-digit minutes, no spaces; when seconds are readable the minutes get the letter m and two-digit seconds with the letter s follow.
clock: 4h13
